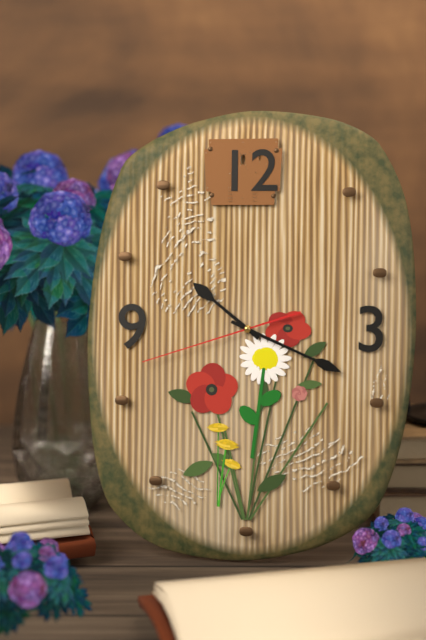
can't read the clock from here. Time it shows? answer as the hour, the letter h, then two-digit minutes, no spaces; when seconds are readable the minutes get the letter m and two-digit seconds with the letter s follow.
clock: 10h19m42s
